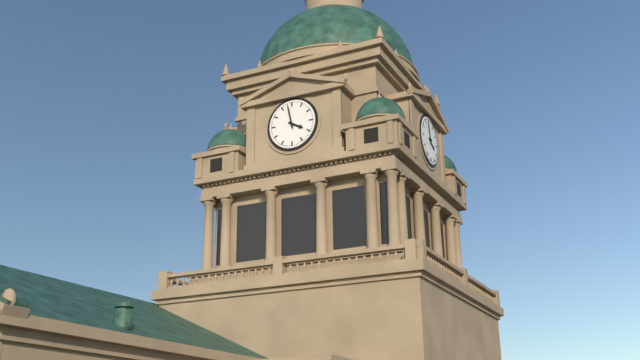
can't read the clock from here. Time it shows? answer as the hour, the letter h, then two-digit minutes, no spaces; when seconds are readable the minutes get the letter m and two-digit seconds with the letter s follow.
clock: 3h58
